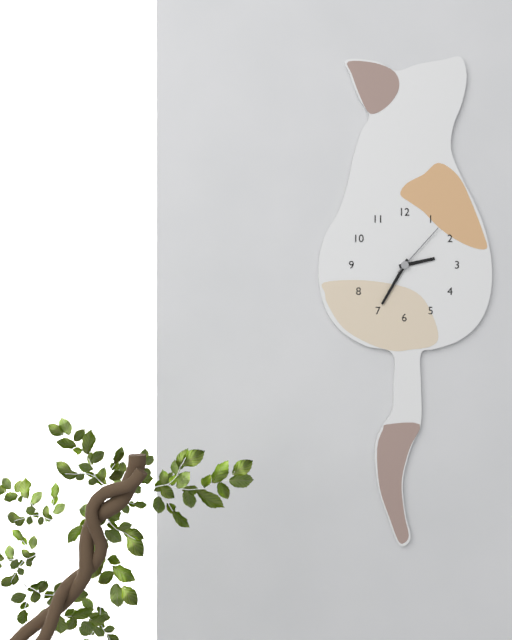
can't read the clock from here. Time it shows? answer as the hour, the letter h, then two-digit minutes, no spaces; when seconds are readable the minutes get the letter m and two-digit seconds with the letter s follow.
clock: 2h35m07s
